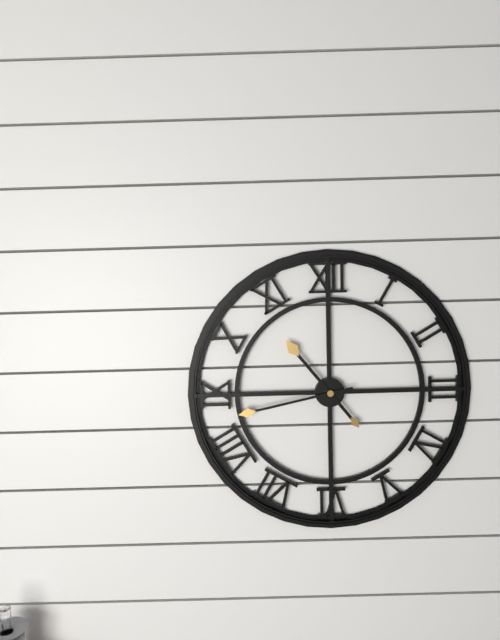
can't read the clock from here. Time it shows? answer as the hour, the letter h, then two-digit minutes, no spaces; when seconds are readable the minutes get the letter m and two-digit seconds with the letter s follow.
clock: 10h43
